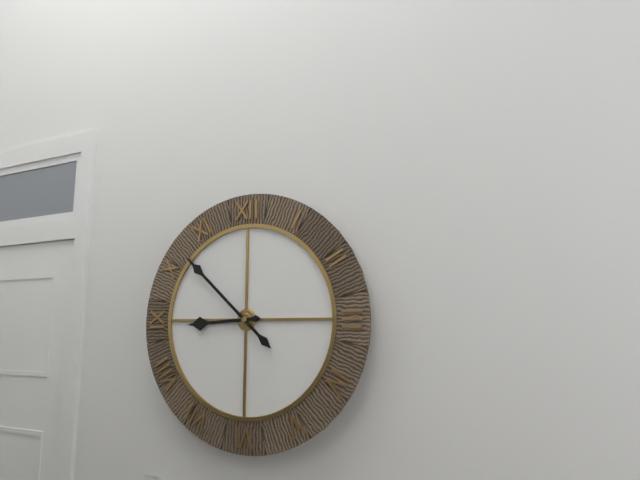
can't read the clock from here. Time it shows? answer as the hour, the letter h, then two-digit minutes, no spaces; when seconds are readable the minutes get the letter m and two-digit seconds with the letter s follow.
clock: 8h52
